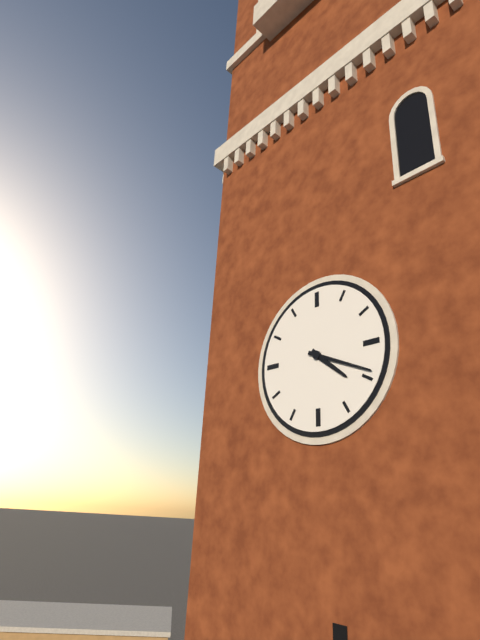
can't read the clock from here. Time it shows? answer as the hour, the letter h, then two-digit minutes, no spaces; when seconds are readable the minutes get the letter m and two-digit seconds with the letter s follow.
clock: 4h19
